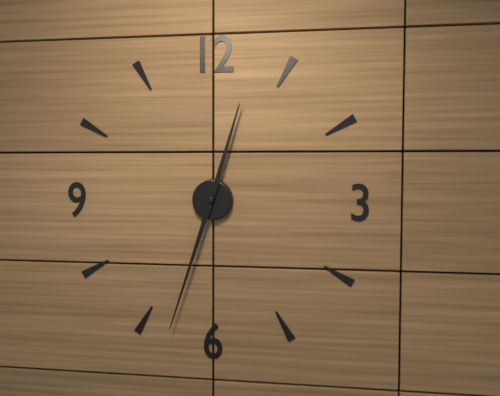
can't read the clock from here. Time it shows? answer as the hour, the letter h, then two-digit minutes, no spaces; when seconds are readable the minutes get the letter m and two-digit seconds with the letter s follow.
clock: 12h33
